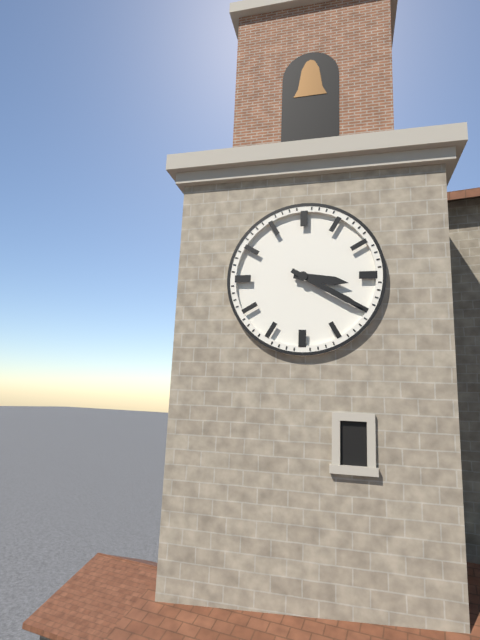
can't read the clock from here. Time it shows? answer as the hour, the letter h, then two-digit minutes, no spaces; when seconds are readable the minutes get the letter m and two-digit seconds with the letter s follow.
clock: 3h20
